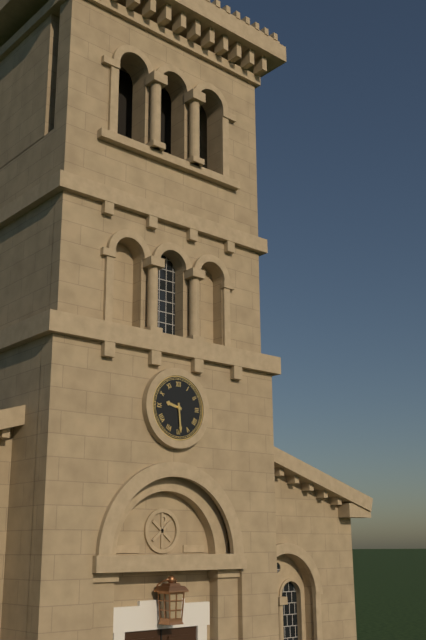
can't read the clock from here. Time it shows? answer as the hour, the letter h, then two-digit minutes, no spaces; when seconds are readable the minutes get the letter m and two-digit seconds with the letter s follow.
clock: 9h29
